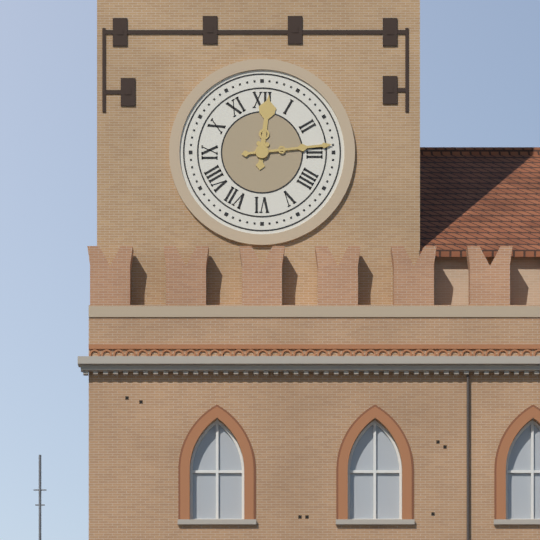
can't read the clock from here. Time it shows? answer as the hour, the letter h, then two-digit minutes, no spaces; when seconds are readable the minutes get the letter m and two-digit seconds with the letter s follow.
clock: 12h14
